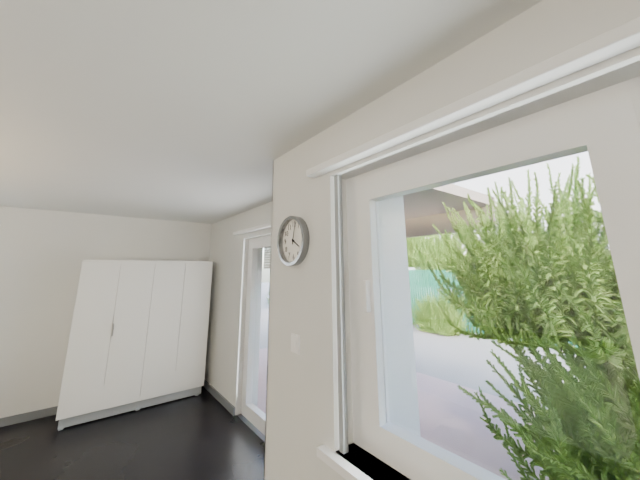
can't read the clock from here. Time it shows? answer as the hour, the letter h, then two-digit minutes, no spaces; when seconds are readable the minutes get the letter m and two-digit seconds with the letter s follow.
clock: 4h02
